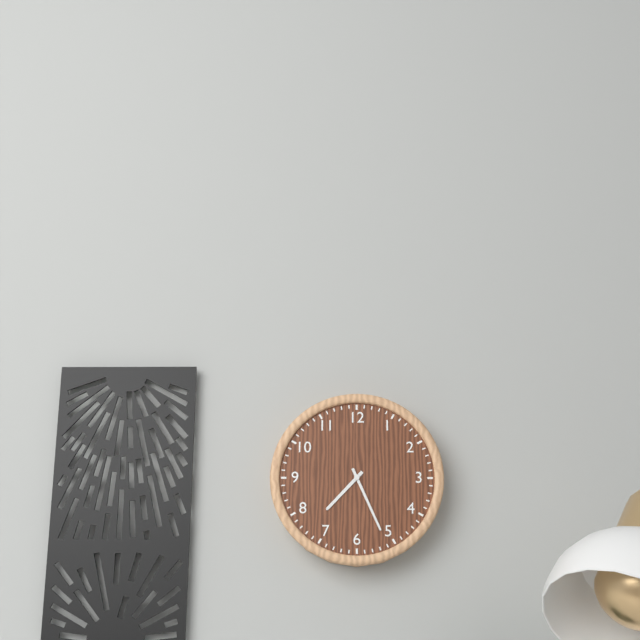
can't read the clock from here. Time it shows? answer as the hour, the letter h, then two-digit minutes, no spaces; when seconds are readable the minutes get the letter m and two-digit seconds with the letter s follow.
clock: 7h26
